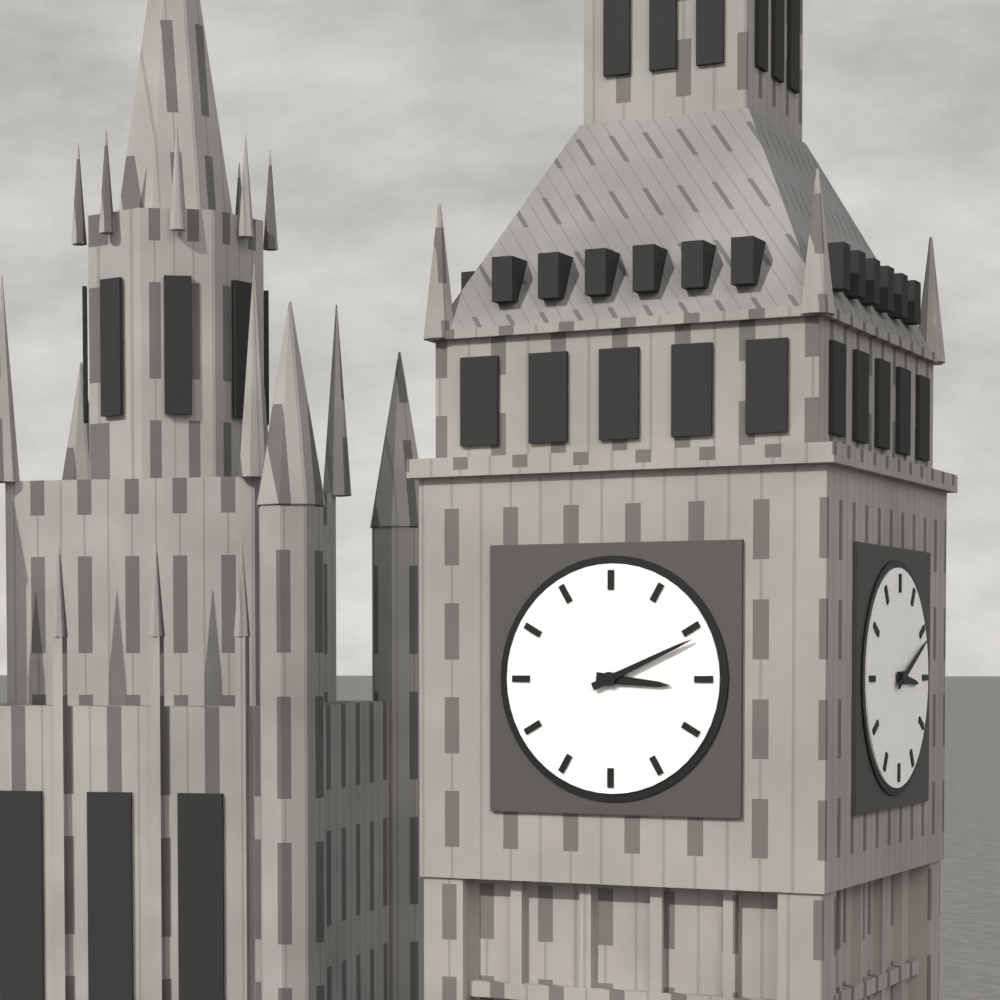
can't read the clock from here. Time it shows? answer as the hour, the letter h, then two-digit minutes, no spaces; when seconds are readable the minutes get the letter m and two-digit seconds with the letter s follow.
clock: 3h11
